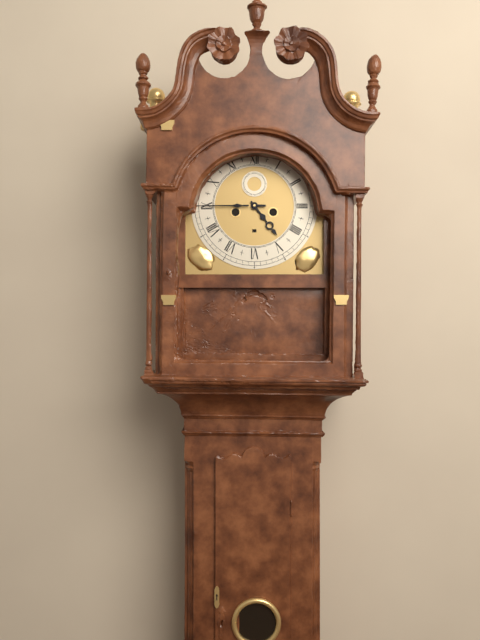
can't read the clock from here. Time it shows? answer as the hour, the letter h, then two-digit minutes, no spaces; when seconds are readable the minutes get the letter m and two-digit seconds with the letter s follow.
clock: 4h45
